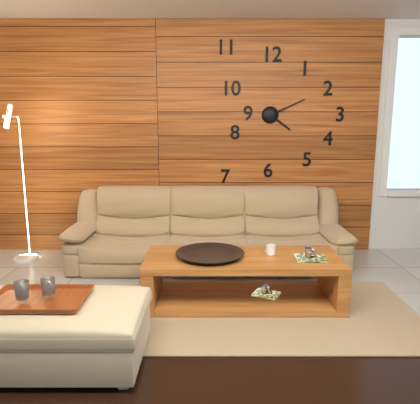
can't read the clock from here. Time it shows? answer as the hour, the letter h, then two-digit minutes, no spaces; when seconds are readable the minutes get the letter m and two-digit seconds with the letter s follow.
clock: 4h11
